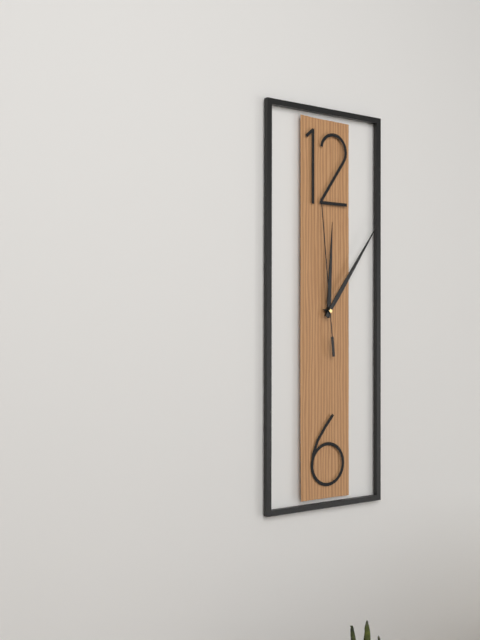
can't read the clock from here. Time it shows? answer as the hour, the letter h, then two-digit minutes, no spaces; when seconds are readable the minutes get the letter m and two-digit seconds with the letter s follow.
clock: 12h06m59s
